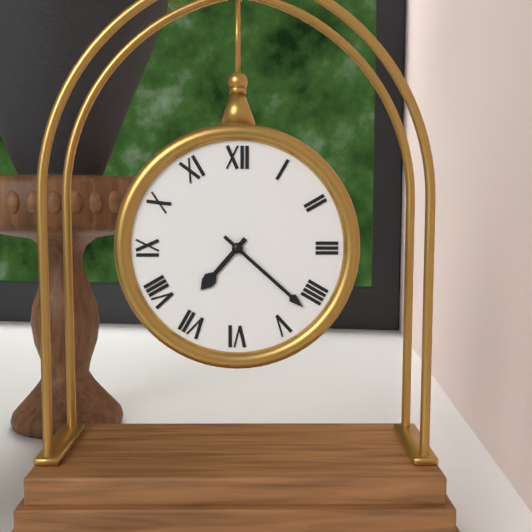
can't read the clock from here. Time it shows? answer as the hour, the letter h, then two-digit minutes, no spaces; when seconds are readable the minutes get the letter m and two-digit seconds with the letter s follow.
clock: 7h22
